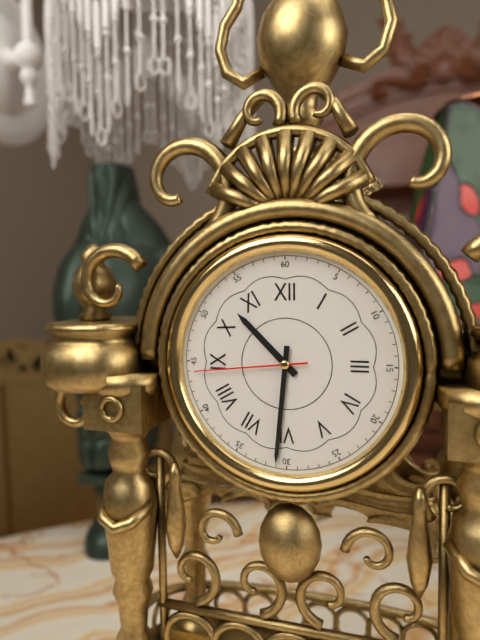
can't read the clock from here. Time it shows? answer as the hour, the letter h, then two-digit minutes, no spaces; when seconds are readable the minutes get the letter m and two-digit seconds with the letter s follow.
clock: 10h31m44s
